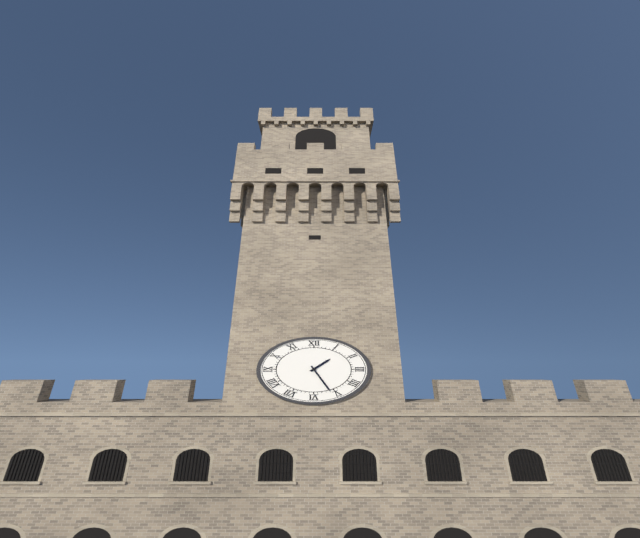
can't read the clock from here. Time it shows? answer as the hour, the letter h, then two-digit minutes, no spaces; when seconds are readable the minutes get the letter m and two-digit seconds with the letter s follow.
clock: 1h26
